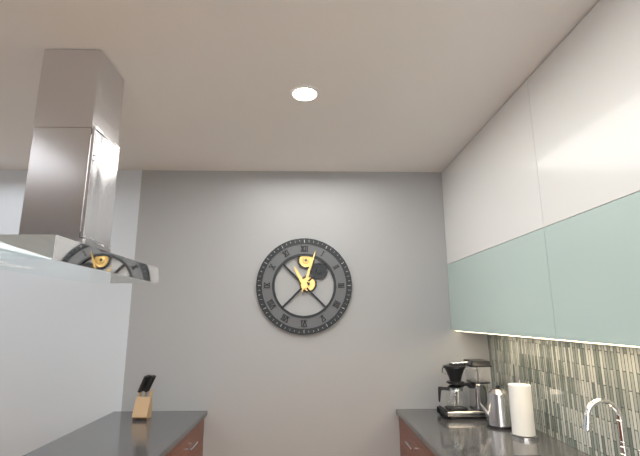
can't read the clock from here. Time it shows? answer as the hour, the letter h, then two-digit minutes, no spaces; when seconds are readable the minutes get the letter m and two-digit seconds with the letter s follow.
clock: 11h03
